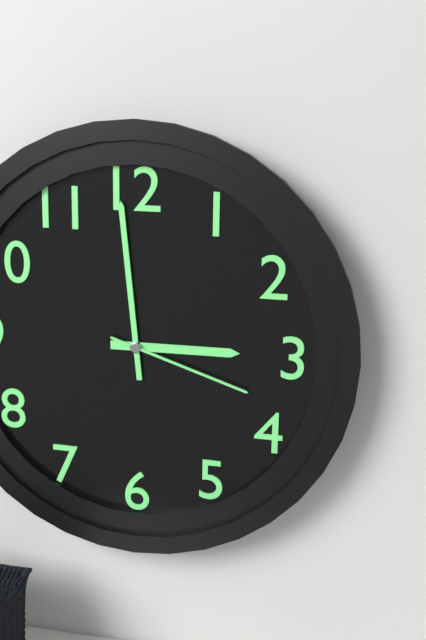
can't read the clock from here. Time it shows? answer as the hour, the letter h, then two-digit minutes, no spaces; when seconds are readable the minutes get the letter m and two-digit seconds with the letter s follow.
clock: 2h59m18s
